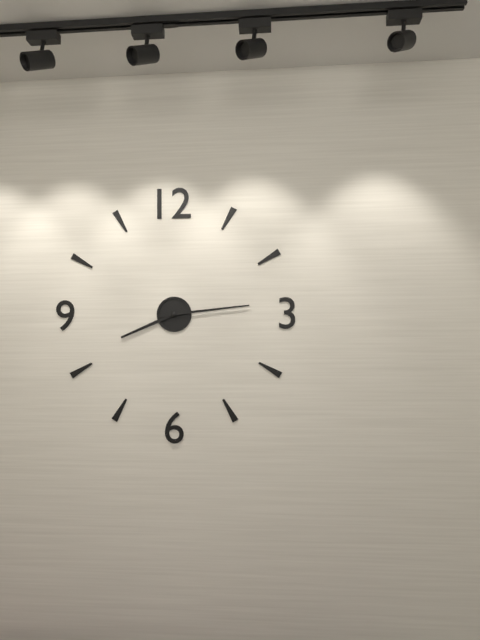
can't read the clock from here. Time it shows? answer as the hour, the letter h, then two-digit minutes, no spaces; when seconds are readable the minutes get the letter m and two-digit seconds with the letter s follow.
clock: 8h14
